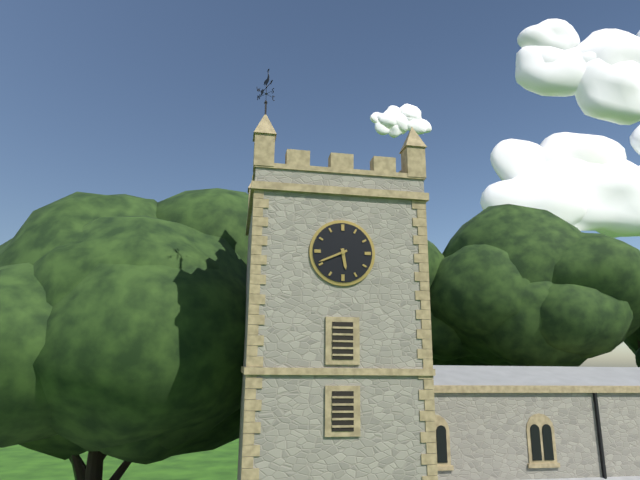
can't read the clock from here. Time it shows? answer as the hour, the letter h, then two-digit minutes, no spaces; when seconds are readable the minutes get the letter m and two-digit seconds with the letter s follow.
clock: 5h41
